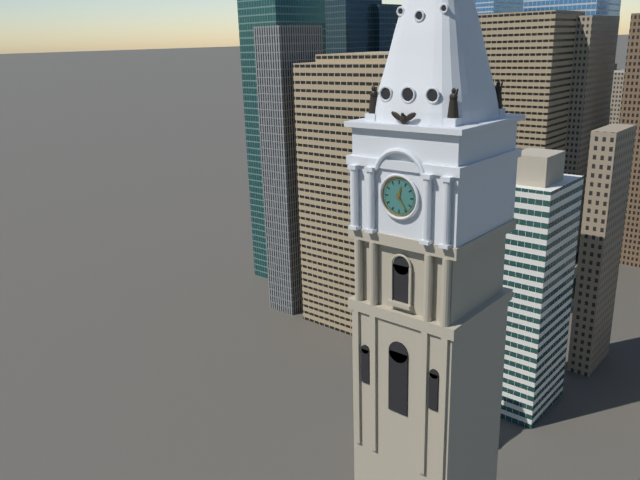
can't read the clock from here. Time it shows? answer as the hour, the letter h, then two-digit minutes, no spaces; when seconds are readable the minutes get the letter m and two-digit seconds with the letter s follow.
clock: 12h24
